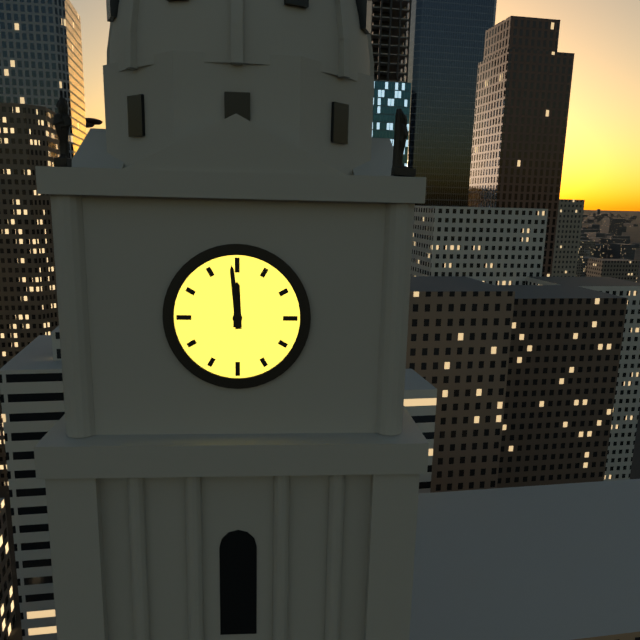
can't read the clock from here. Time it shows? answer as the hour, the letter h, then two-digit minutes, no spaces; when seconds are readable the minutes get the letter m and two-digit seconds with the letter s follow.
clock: 11h59
